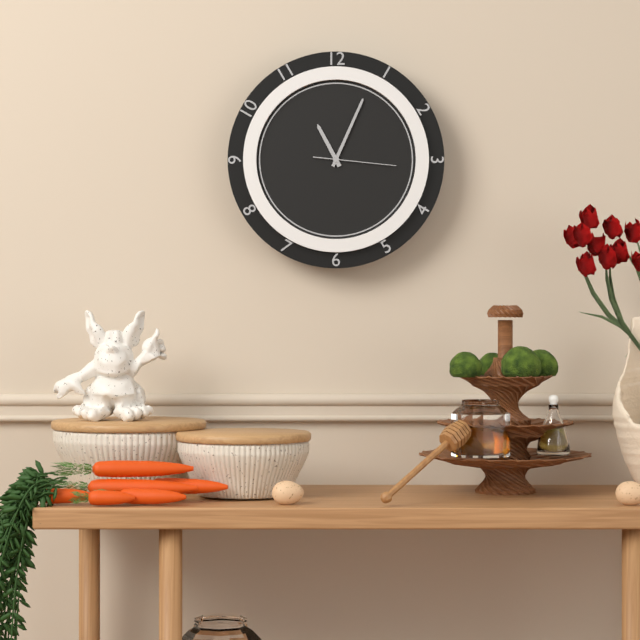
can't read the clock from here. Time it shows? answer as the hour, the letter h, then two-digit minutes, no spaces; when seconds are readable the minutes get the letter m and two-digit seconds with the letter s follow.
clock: 11h04m16s
